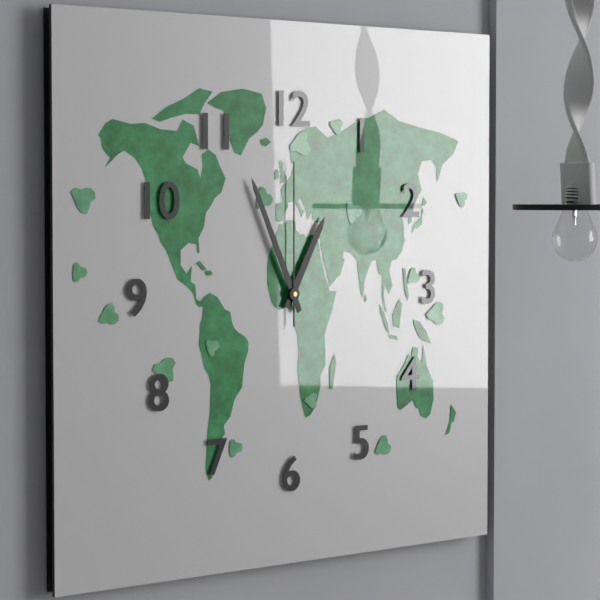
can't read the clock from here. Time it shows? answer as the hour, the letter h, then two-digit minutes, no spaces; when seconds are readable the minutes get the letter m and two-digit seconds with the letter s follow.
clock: 12h56m00s
